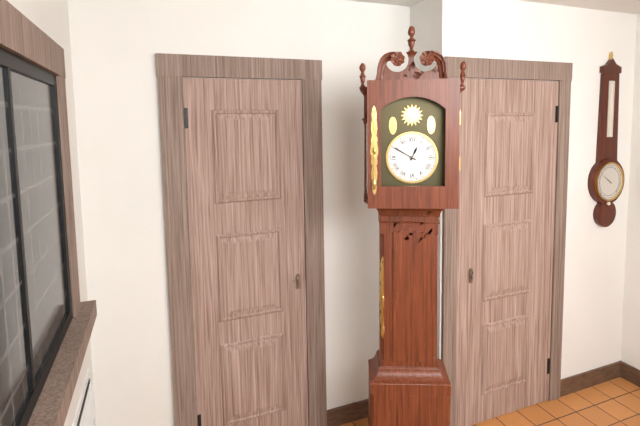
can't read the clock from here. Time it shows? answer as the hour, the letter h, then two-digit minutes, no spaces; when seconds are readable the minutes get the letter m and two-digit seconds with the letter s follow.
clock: 12h50
